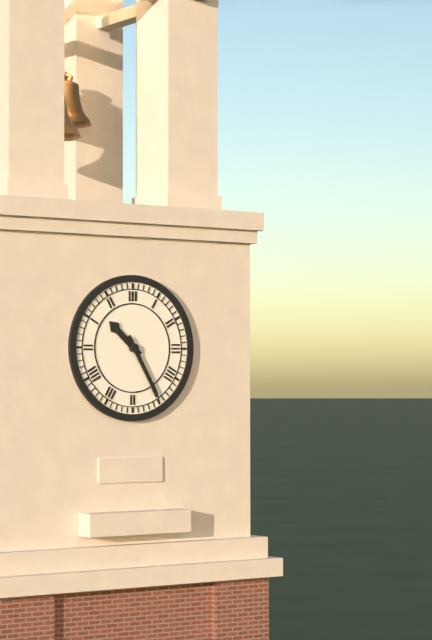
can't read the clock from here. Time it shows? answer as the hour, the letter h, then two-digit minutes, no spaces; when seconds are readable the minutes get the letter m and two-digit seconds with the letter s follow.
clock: 10h25
